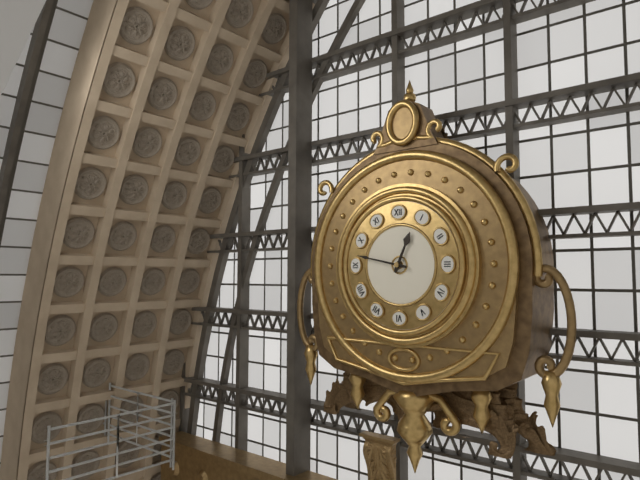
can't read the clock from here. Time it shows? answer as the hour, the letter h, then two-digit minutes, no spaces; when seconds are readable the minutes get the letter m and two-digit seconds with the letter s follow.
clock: 12h47
